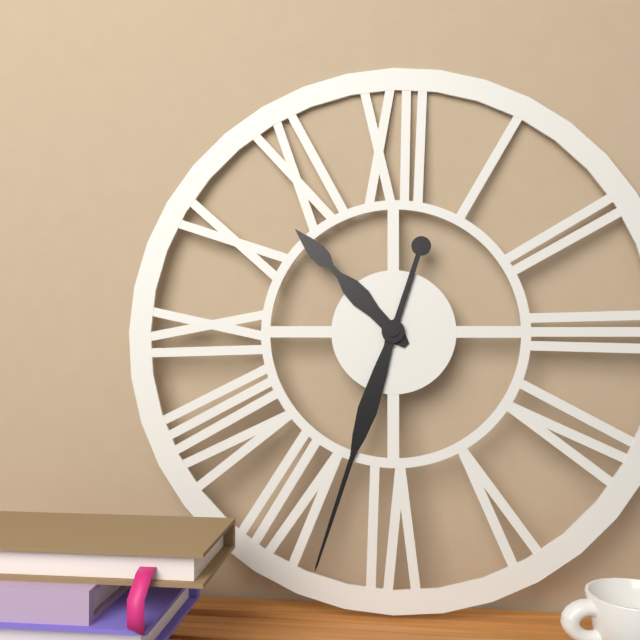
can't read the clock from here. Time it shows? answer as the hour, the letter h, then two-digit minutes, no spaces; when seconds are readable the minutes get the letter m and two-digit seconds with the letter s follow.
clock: 10h33
